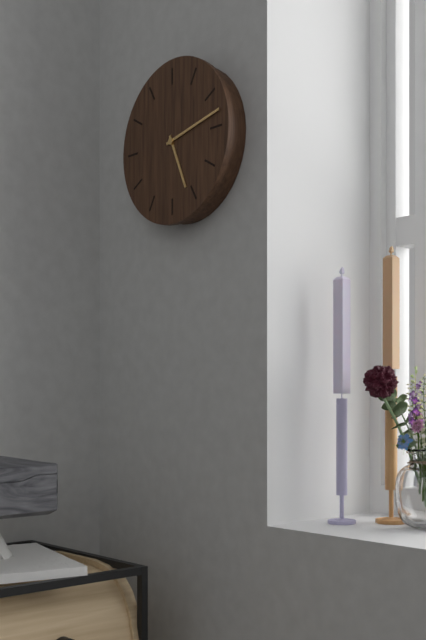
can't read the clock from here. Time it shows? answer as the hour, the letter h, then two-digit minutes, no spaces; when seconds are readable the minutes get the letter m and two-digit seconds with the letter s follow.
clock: 5h13
